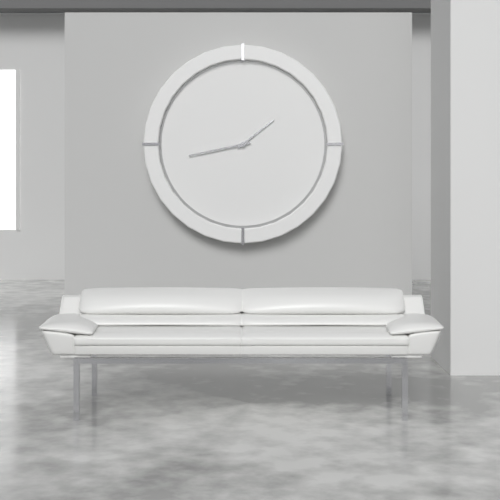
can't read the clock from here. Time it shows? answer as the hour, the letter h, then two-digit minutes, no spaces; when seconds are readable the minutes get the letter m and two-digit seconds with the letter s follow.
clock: 1h43
